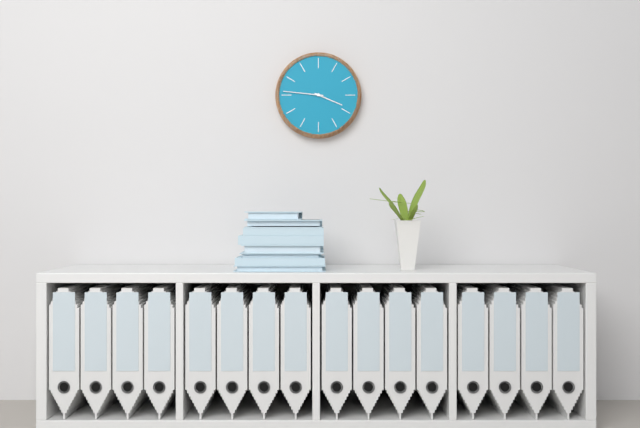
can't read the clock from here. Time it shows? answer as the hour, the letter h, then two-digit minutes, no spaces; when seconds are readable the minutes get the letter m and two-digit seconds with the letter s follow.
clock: 3h46
